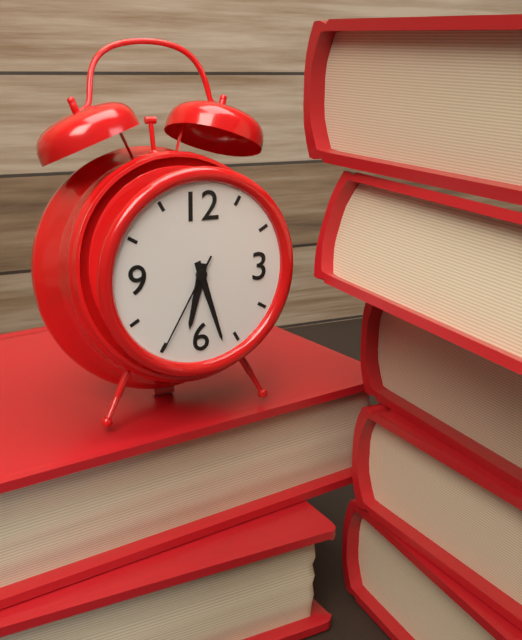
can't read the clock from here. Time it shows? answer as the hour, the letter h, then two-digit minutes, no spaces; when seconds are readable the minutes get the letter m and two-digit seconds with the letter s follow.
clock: 6h27m35s
